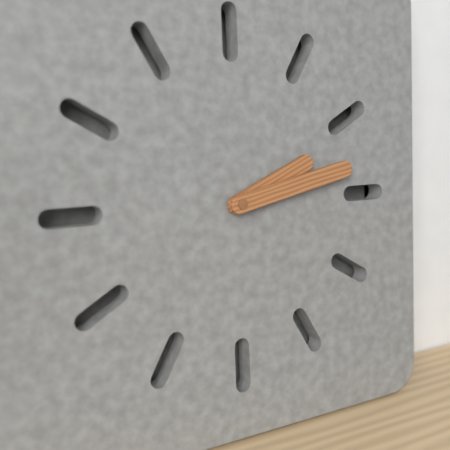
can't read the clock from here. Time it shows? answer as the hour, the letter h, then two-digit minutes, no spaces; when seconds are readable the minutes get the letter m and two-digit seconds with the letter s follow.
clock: 2h13
